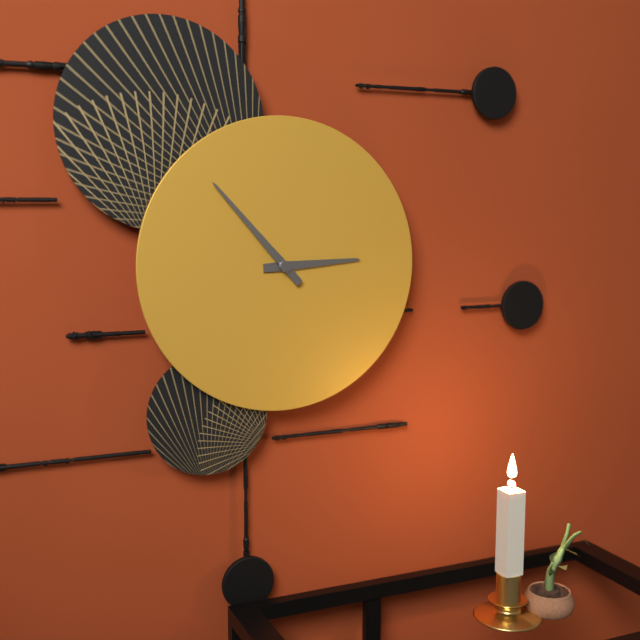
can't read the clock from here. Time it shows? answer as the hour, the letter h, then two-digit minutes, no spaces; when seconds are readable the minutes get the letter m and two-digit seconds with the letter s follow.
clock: 2h53
